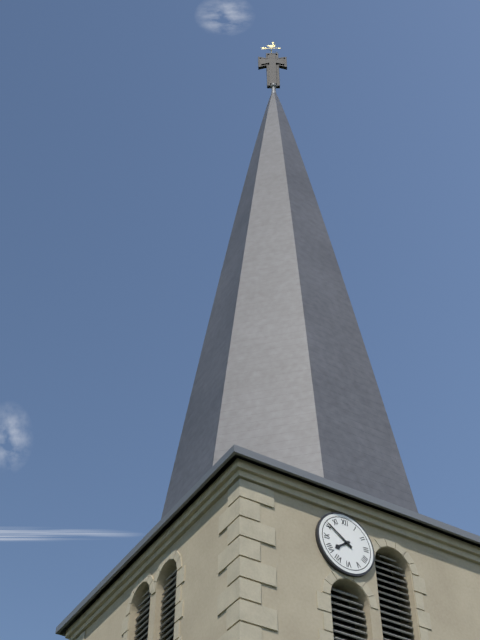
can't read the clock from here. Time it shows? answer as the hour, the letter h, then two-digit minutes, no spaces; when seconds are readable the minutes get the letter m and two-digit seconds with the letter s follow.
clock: 7h51
